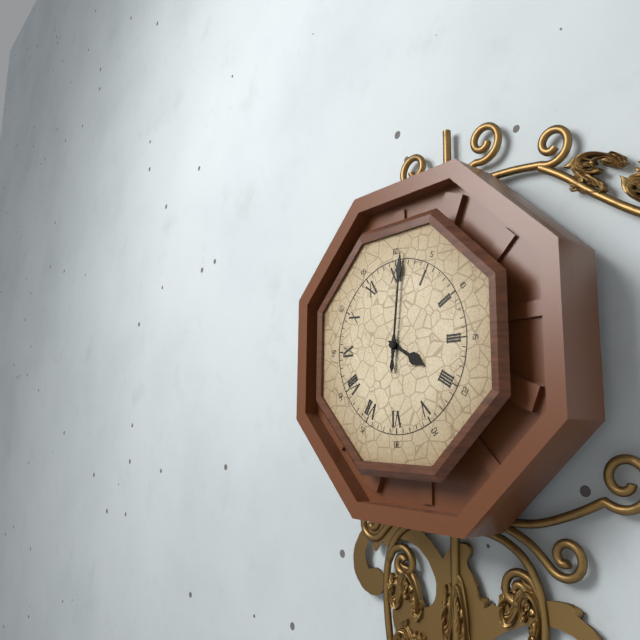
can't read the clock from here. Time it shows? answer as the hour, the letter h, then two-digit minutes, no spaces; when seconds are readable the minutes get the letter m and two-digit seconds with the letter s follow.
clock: 4h01
